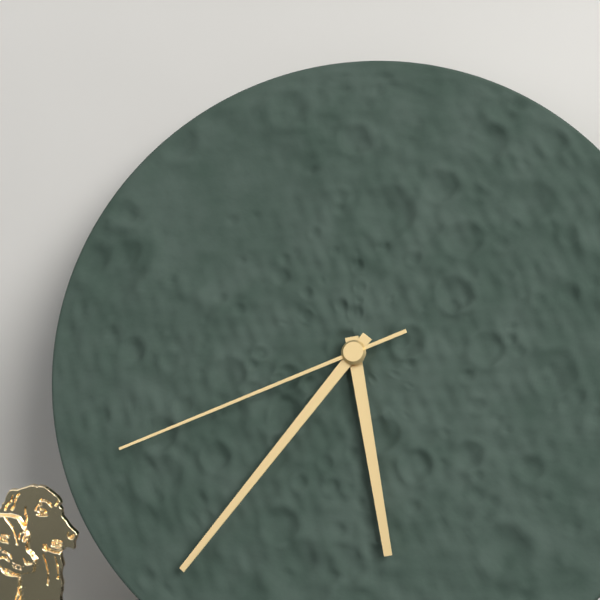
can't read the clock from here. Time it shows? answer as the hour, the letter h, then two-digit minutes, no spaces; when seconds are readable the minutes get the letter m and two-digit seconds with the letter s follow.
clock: 5h36m41s
